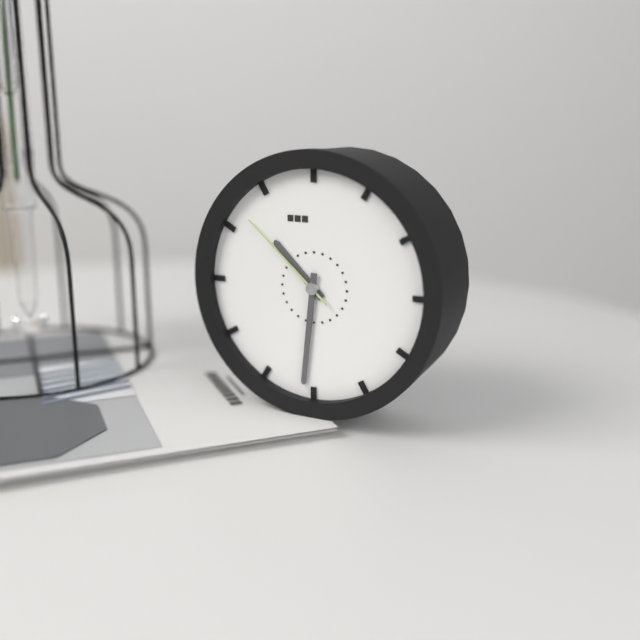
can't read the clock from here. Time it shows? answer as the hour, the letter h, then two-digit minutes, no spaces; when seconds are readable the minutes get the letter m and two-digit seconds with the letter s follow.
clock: 10h31m52s
